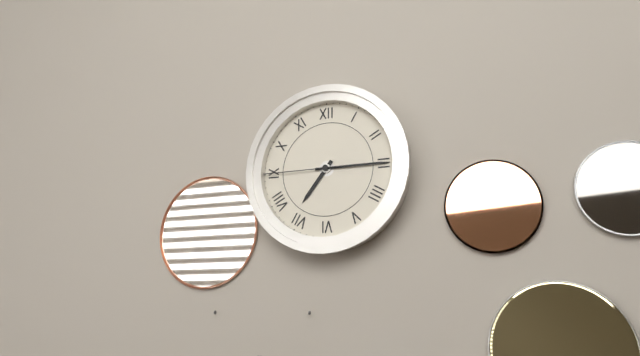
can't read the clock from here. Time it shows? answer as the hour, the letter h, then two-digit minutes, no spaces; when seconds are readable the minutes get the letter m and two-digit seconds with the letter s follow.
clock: 7h15m45s
